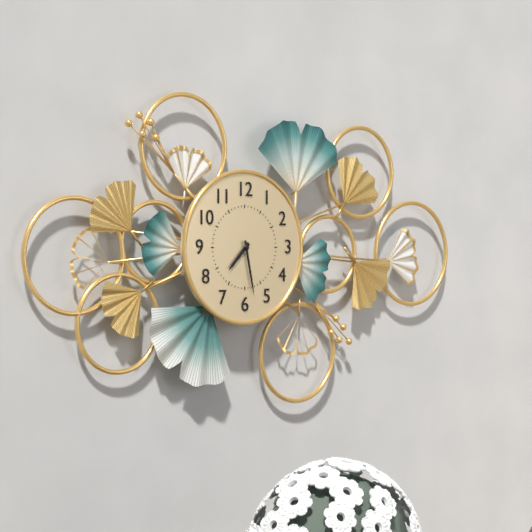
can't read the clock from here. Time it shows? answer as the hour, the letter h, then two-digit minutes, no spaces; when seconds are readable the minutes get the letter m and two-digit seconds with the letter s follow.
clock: 7h28
